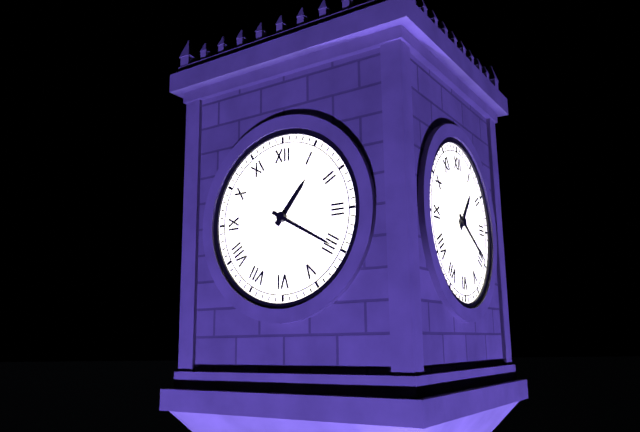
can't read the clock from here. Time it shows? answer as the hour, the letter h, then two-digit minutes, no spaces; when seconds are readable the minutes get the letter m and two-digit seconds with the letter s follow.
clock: 1h20
